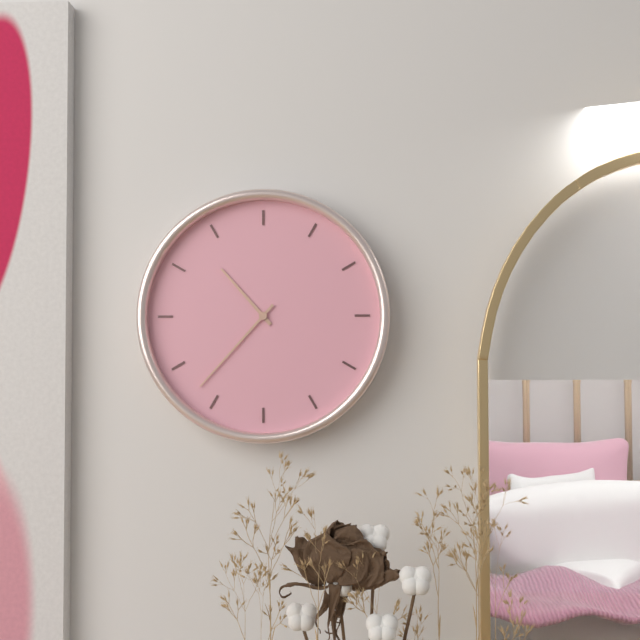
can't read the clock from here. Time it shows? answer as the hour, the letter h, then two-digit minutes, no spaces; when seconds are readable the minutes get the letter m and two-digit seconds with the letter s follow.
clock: 10h37
